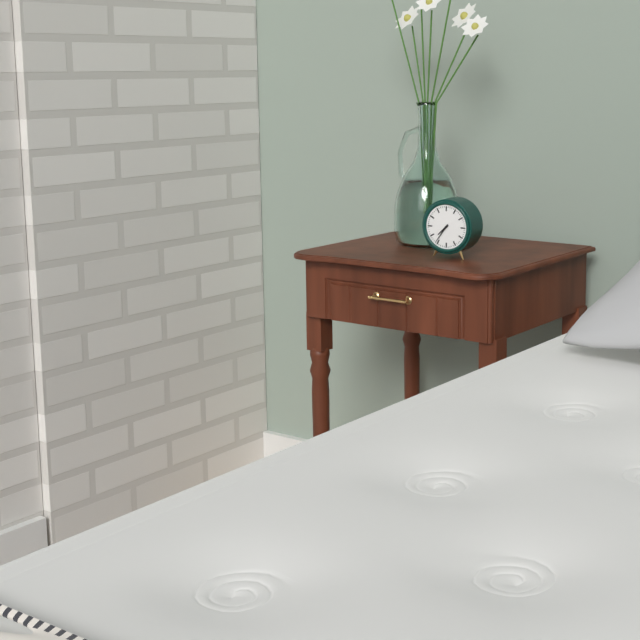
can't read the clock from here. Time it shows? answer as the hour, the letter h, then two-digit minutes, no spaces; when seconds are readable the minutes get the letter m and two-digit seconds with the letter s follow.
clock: 7h36
